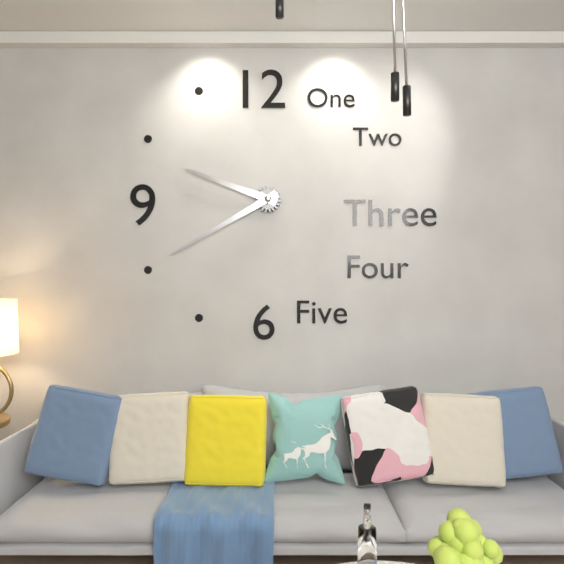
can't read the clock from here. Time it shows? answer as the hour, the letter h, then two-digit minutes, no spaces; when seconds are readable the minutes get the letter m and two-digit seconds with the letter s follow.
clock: 9h40
